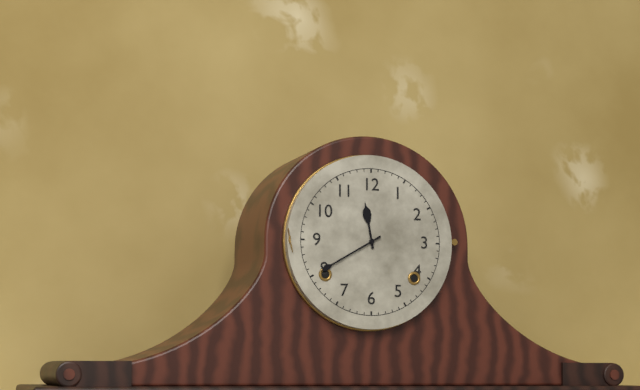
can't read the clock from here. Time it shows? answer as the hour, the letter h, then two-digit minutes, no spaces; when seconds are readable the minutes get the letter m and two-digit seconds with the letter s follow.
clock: 11h40
